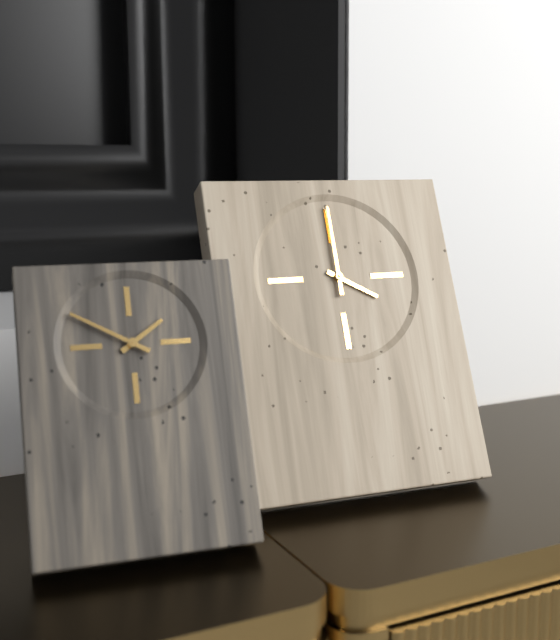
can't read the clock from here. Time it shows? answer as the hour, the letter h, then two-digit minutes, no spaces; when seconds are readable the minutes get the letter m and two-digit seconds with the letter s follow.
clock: 4h00
